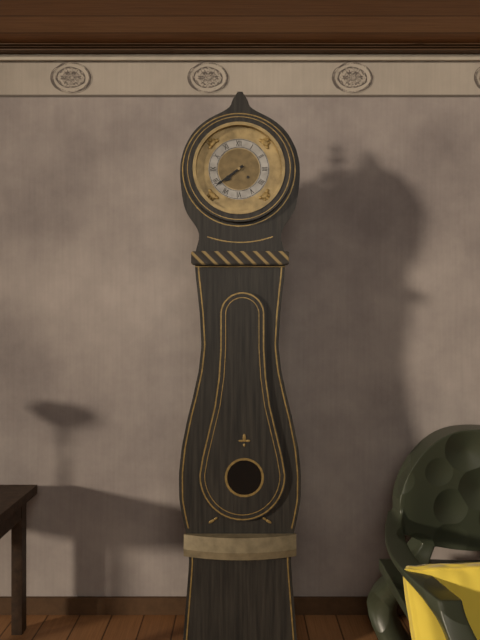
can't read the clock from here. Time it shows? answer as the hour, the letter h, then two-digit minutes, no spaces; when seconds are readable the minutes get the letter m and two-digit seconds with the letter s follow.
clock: 7h39
